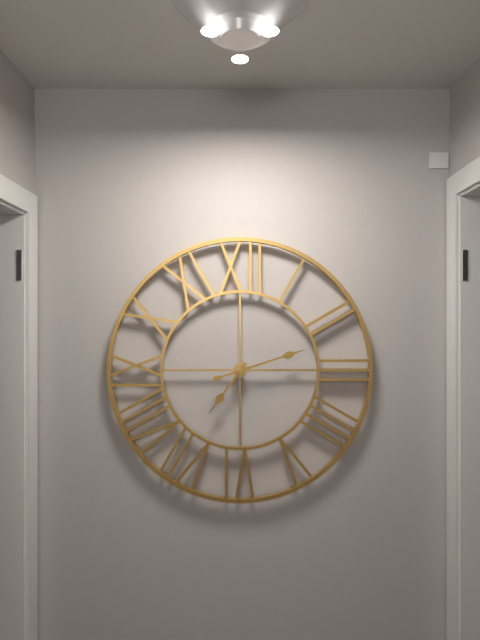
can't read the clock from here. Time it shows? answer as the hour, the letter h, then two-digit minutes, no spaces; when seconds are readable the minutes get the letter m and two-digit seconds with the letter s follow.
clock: 7h12
